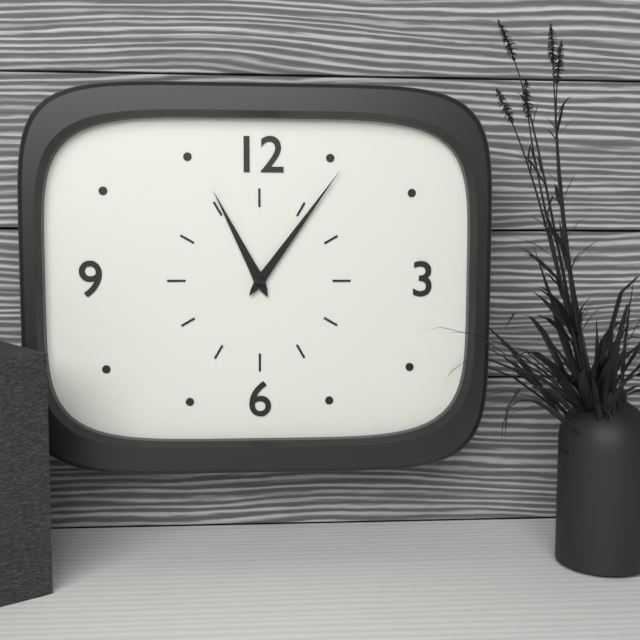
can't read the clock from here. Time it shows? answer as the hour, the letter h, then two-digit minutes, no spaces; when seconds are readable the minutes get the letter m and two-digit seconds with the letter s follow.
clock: 11h06
